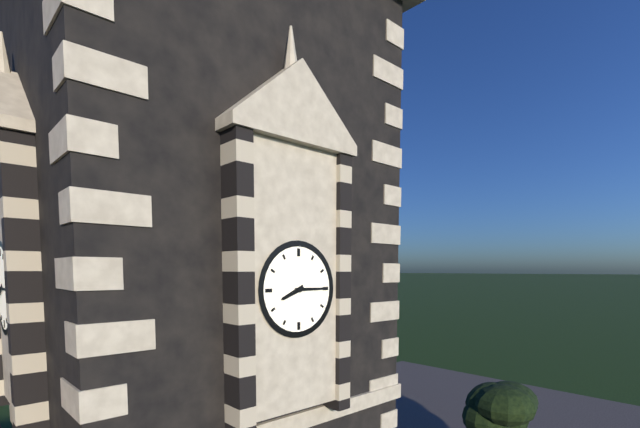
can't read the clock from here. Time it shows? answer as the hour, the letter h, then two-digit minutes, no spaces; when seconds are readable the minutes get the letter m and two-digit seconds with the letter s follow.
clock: 8h15
